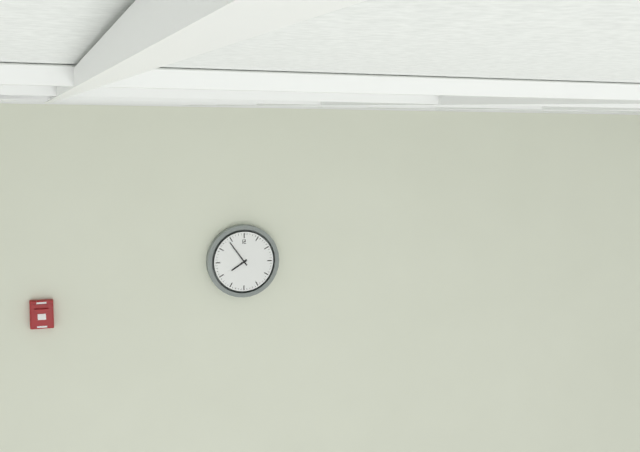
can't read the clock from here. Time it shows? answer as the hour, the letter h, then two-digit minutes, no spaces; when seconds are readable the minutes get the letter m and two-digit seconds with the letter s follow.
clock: 7h54
